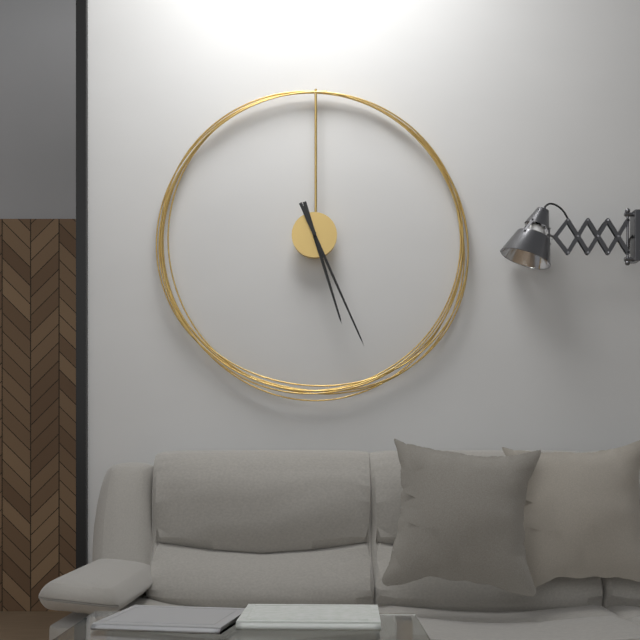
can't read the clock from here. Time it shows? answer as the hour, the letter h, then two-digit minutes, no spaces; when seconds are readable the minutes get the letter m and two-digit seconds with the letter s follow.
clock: 5h26
